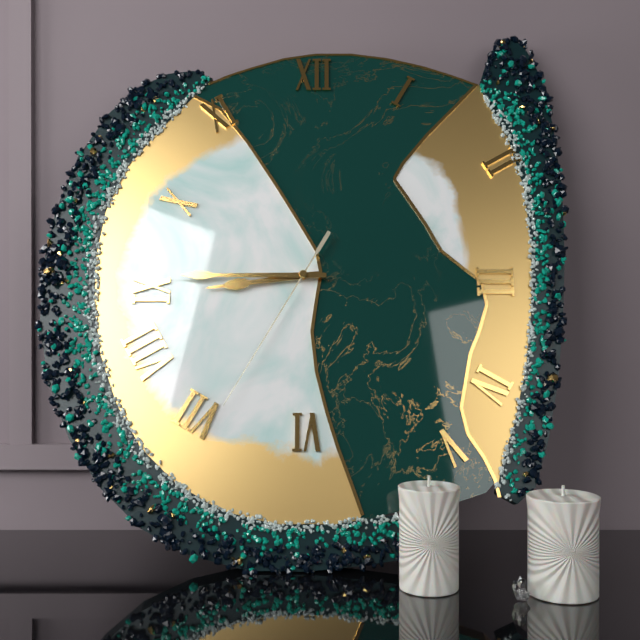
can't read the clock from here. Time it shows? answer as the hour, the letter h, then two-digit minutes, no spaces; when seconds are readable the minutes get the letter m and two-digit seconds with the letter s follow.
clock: 8h45m35s
